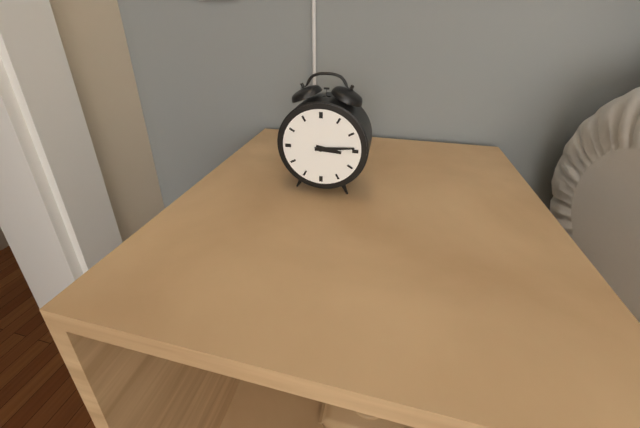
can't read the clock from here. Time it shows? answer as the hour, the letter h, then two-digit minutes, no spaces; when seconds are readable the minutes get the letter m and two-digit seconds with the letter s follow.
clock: 3h14
